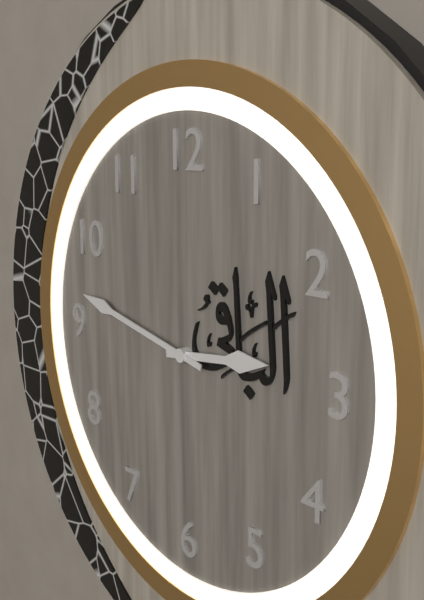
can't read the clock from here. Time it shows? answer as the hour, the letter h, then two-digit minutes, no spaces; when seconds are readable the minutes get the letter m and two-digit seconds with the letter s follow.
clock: 2h47
